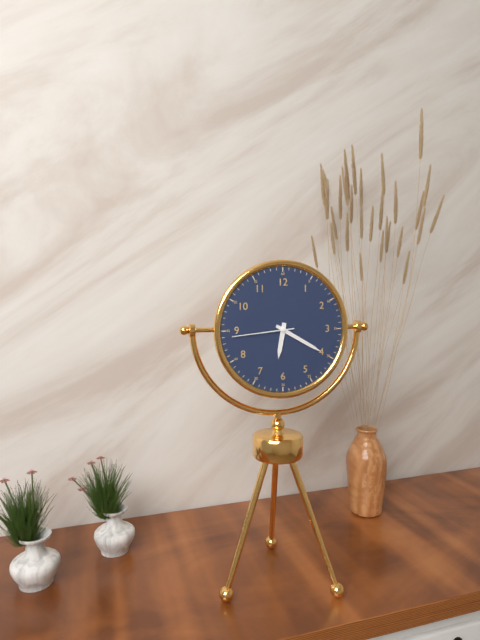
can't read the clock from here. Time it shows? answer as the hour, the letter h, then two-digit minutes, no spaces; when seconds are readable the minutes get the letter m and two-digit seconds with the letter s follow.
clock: 6h20m44s
